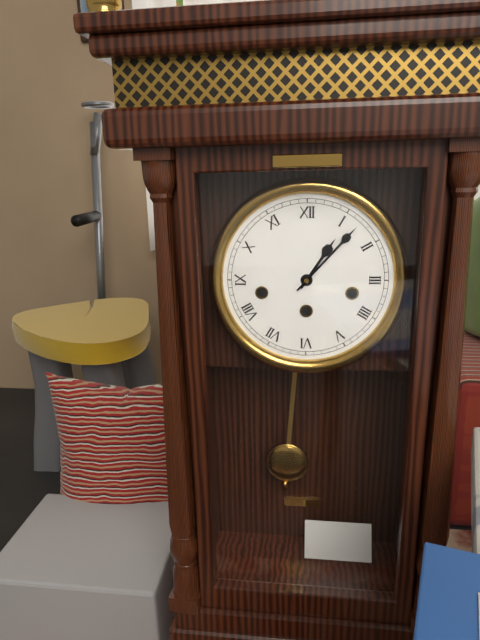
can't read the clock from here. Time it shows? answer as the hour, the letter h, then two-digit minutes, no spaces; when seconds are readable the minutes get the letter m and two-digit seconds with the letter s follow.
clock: 1h07
